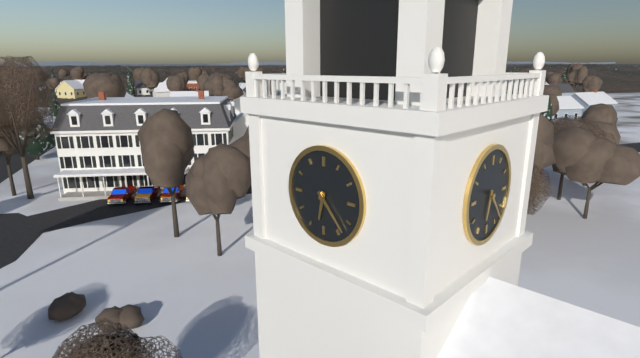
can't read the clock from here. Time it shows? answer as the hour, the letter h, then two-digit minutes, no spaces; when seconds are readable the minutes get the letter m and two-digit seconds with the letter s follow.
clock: 6h23
